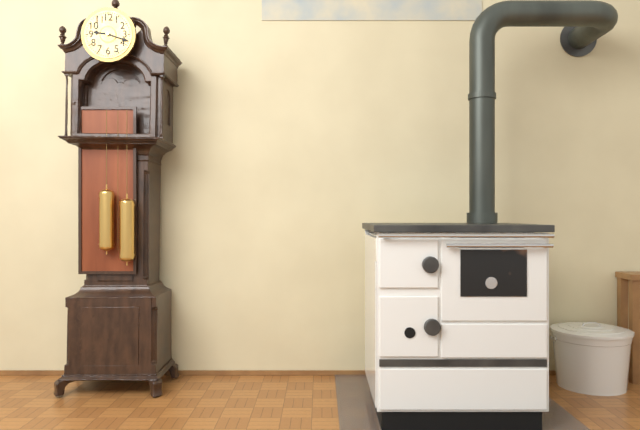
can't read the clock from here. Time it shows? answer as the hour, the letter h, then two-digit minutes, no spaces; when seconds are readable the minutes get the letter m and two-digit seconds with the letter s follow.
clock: 9h18
